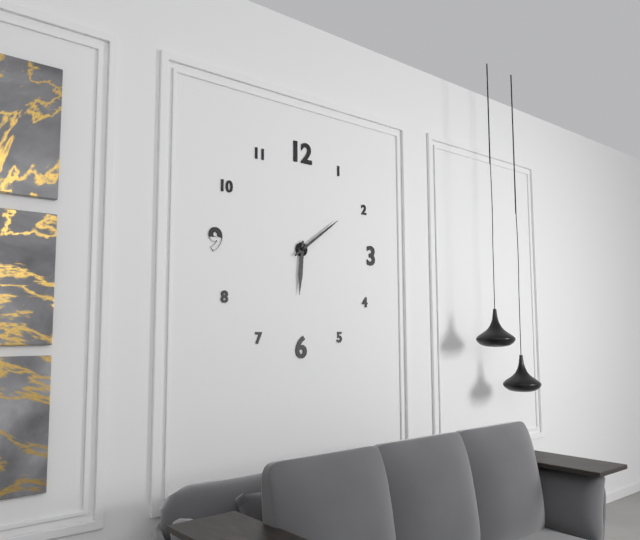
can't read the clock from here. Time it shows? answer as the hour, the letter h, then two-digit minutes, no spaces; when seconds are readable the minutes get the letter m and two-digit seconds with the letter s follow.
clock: 6h09
